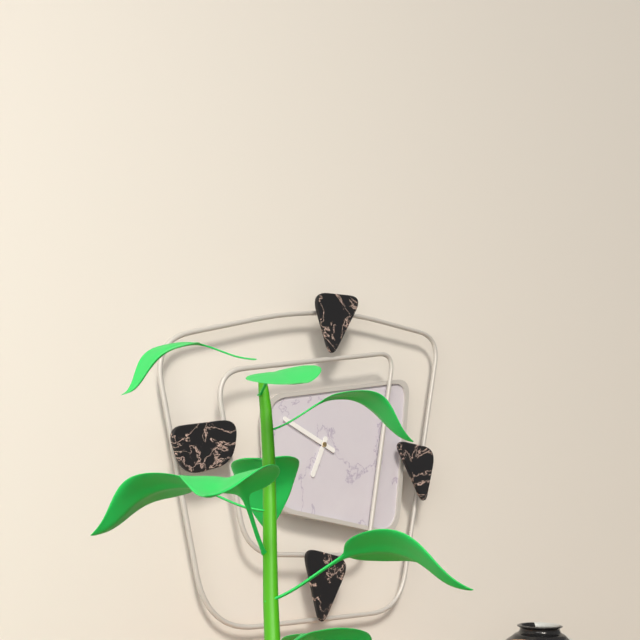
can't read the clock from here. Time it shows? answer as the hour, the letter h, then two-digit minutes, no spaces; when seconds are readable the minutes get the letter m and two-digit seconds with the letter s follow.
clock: 6h49
